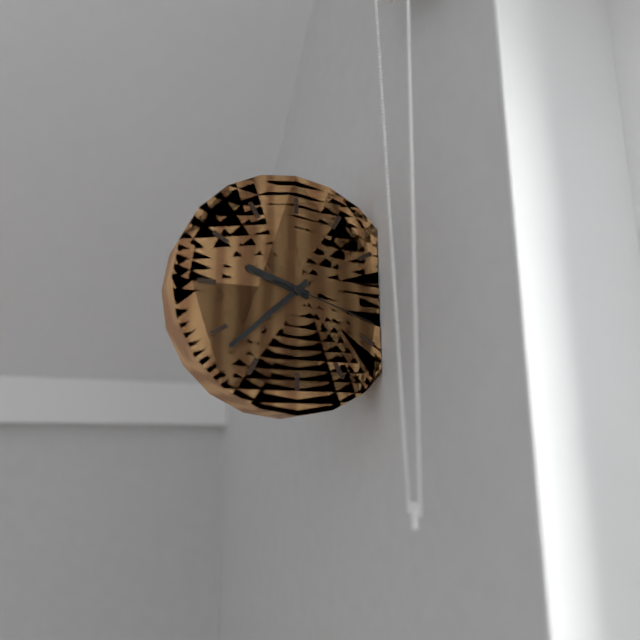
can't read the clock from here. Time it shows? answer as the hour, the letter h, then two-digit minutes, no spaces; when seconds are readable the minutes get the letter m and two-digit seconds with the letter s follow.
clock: 9h38m18s
